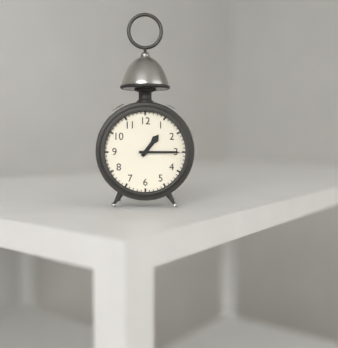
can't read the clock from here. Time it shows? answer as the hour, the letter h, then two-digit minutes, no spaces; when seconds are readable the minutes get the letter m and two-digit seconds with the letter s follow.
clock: 1h15
